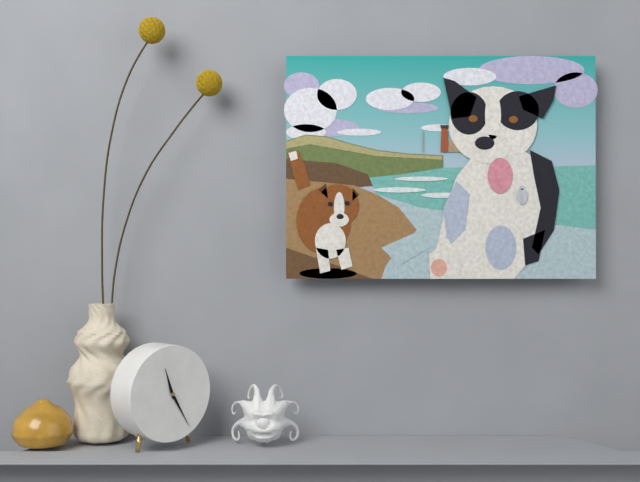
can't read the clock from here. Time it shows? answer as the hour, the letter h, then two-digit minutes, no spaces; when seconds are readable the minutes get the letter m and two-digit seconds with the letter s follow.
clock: 11h25
